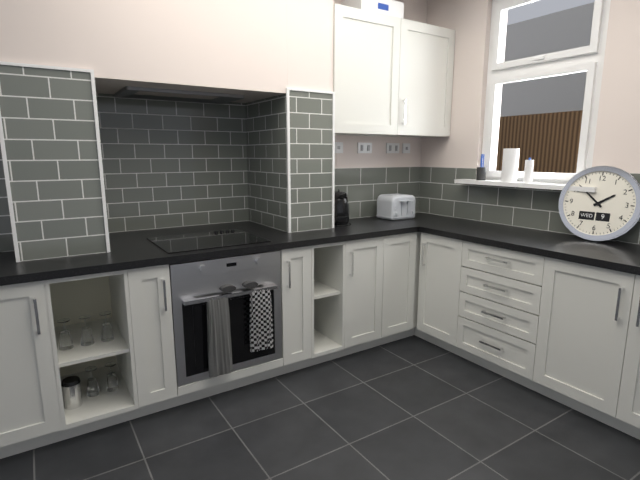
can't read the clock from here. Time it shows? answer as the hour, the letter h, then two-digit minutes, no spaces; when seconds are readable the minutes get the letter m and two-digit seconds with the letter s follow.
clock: 1h52
